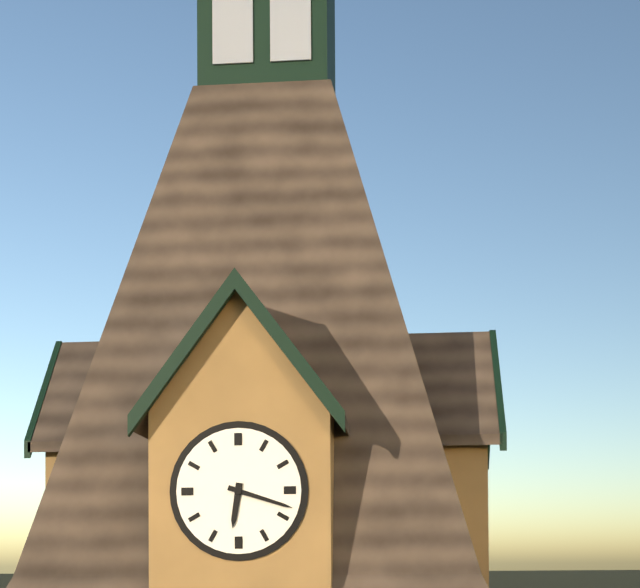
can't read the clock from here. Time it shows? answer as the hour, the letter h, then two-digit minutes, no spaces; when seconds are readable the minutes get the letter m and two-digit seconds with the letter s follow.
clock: 6h18
